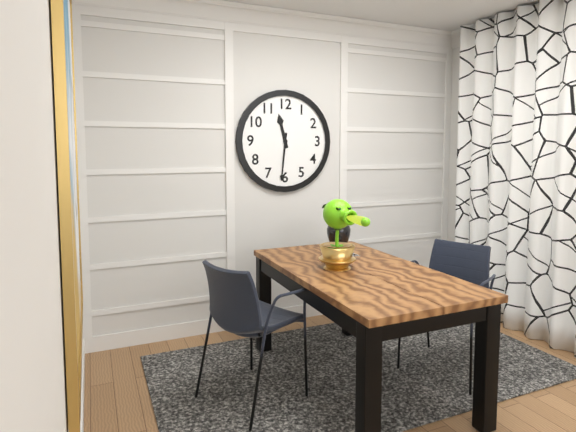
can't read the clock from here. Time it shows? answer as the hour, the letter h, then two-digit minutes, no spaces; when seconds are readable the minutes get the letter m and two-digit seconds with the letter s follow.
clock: 11h31
